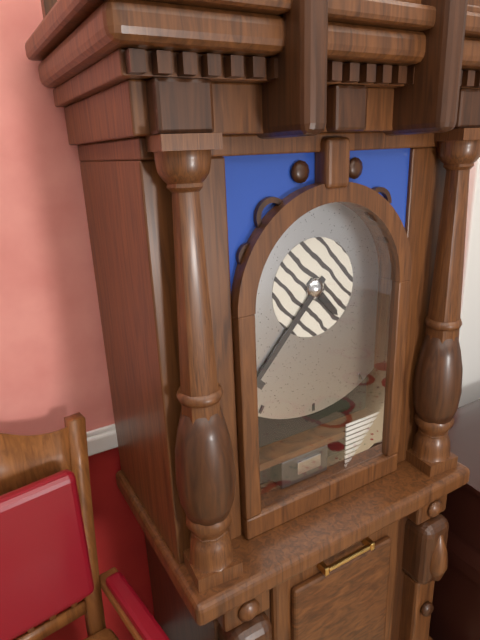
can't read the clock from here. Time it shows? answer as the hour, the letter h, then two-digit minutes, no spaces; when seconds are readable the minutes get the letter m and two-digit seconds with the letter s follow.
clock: 4h37
